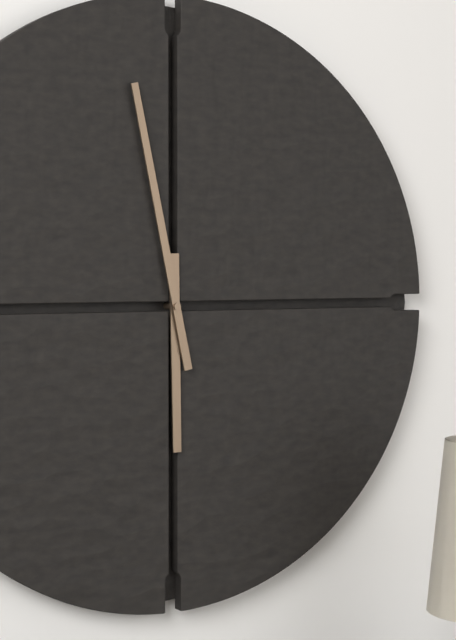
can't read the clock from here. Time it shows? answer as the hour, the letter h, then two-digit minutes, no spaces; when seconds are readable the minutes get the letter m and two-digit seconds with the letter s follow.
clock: 5h58
